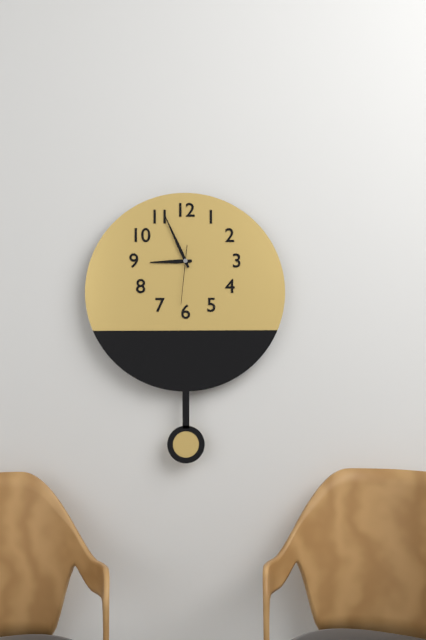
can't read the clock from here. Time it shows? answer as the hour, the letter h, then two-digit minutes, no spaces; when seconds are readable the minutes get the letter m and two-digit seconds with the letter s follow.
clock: 8h56m31s
